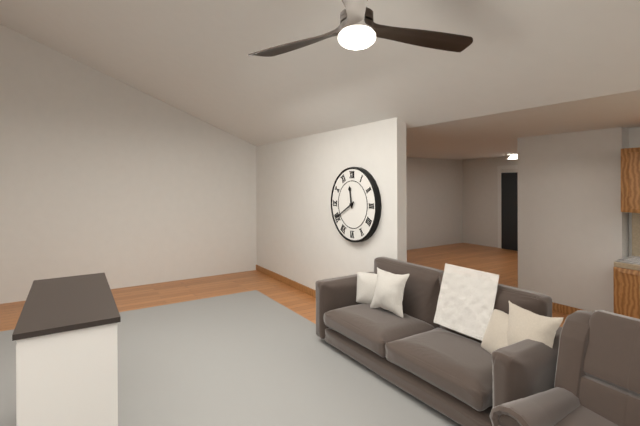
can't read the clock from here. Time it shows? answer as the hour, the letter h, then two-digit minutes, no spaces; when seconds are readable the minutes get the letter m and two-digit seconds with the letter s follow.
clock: 11h40
